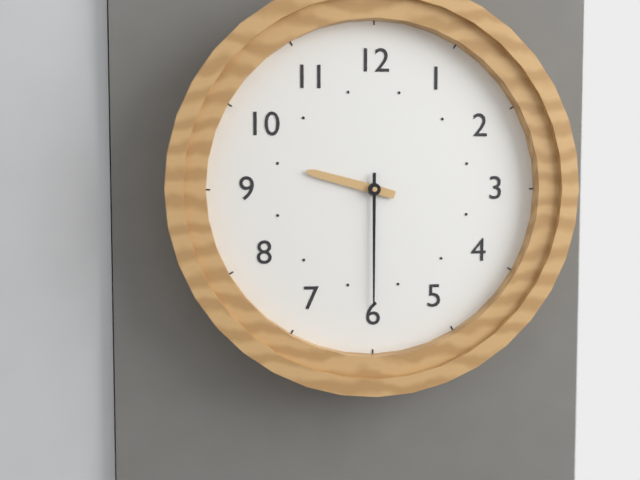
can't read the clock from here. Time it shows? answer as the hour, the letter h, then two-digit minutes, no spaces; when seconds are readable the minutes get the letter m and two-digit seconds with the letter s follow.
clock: 9h30
